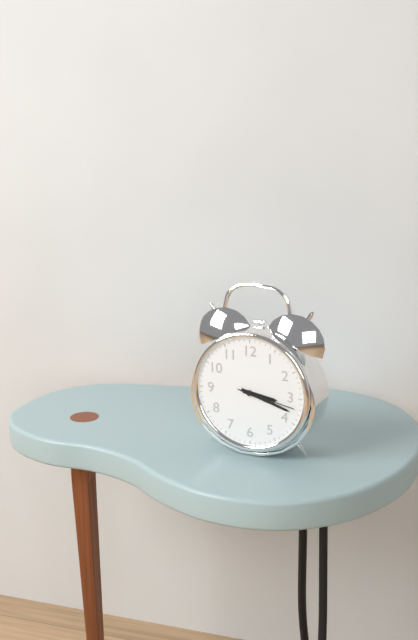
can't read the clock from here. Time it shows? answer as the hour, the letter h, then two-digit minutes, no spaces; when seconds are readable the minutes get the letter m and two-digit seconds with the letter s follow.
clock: 3h18m17s
